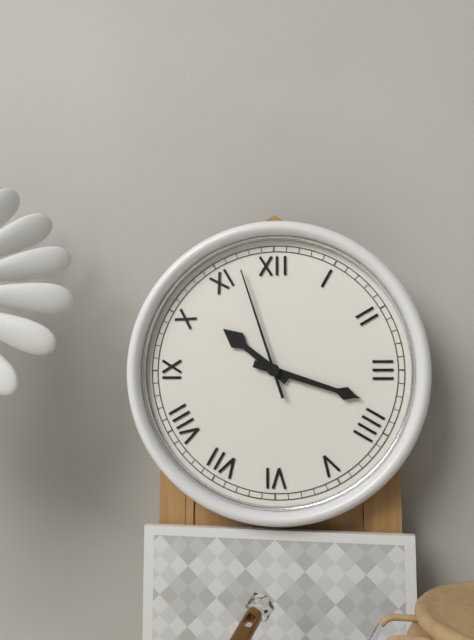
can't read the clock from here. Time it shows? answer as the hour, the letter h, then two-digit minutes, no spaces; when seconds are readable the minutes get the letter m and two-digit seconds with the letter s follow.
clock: 10h18m57s
